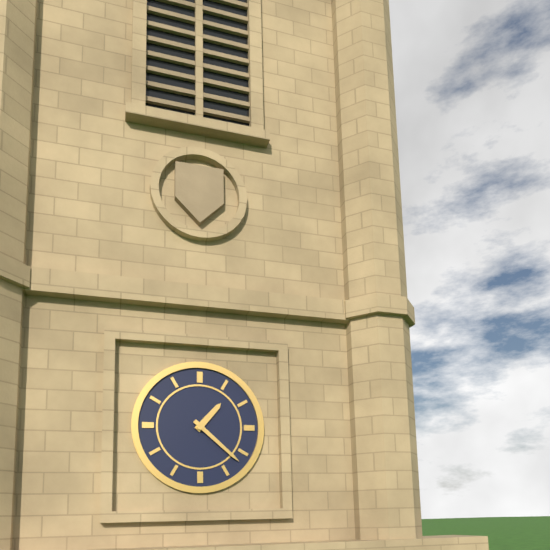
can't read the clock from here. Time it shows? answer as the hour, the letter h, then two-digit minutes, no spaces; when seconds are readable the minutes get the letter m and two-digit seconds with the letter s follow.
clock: 1h22
